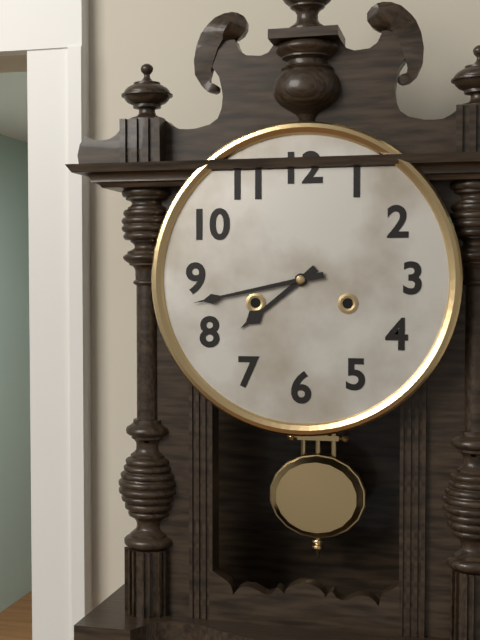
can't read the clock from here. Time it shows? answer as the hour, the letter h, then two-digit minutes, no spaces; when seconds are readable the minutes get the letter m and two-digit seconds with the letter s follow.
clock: 7h43
